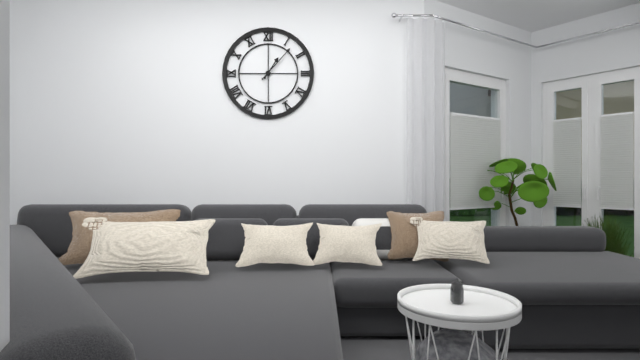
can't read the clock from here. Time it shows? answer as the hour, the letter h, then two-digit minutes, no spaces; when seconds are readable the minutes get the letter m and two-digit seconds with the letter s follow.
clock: 1h07
